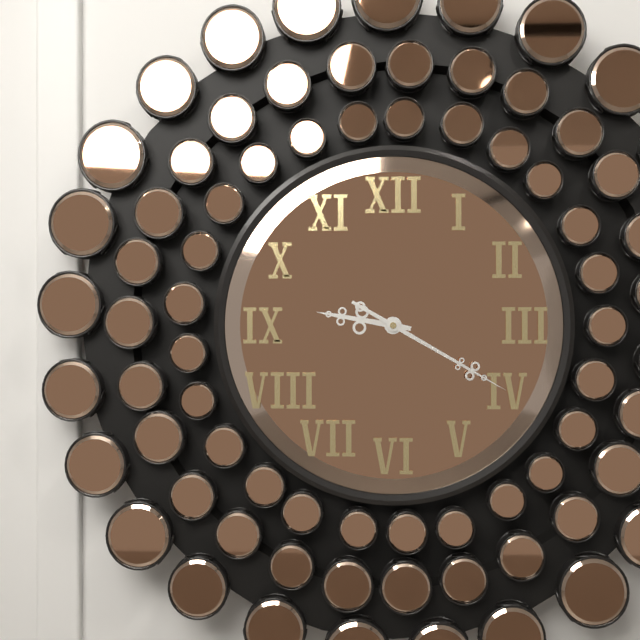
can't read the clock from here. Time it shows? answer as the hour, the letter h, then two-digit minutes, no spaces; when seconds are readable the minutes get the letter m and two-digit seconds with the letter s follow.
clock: 9h20
